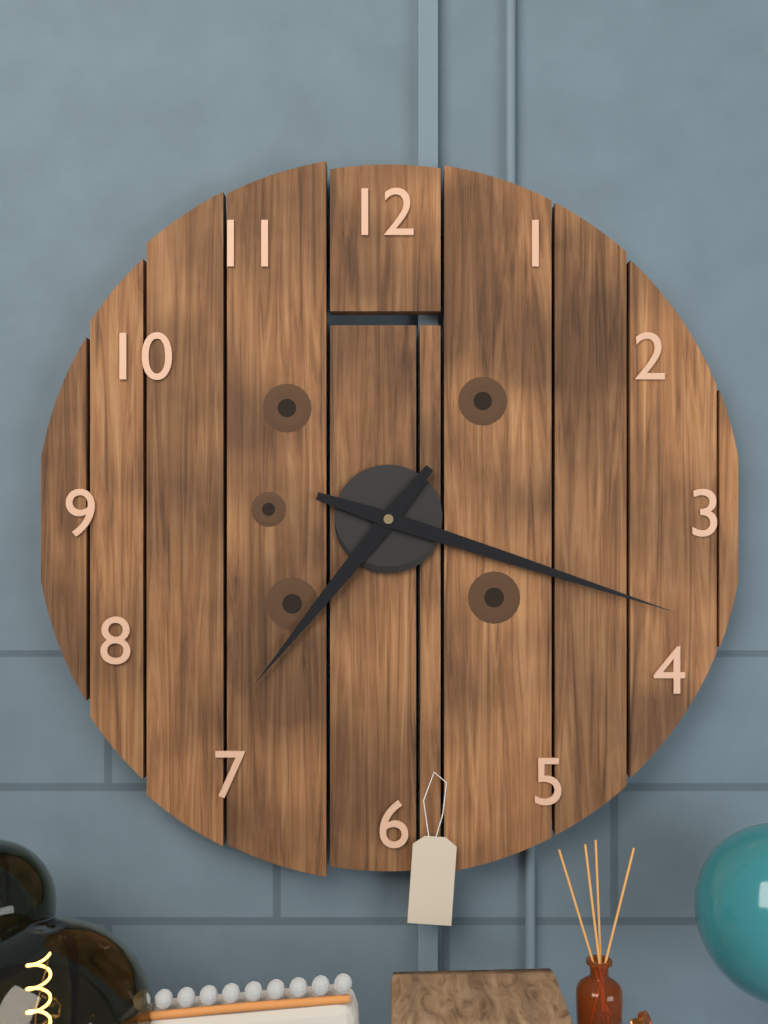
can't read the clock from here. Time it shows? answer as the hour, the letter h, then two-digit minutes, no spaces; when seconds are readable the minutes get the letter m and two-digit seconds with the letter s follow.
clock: 7h18
